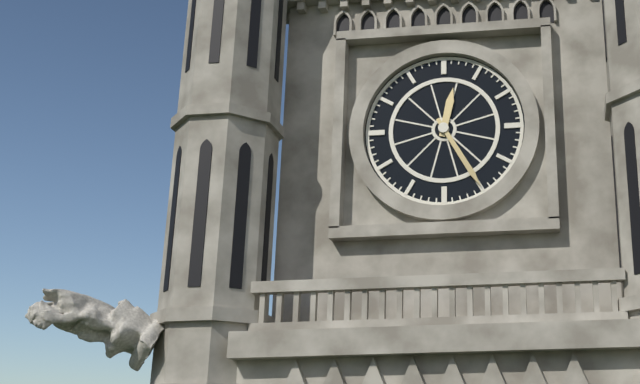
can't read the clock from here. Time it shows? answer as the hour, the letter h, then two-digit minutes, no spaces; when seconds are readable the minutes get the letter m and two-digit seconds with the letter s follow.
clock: 12h25
